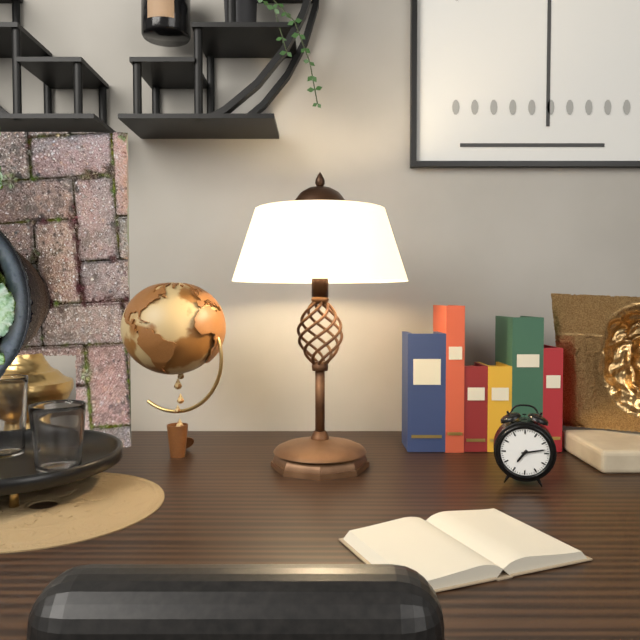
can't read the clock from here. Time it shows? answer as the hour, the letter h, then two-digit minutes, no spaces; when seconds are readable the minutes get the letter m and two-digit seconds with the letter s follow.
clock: 7h13
